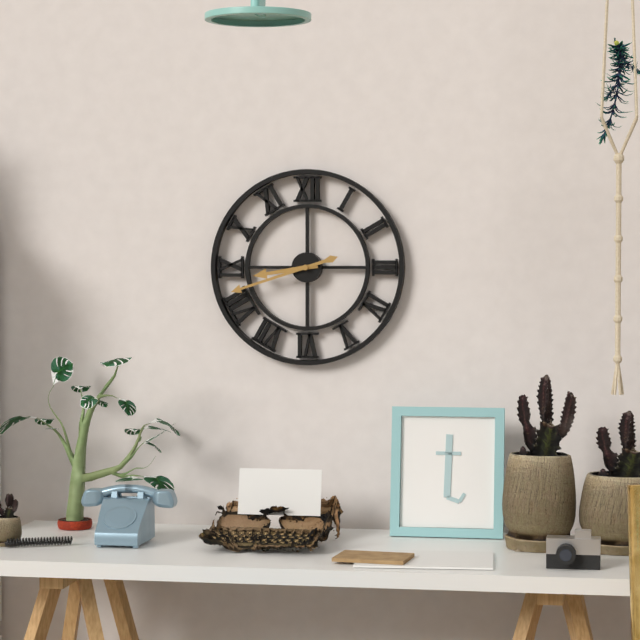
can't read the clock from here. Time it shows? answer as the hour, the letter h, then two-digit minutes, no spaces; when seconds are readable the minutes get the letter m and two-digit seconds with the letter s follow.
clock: 8h42
